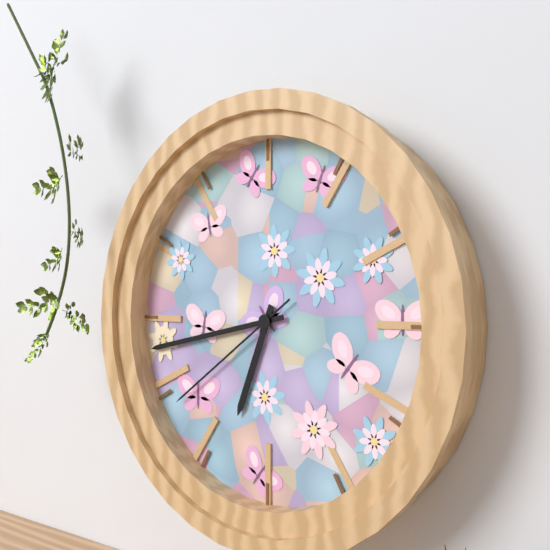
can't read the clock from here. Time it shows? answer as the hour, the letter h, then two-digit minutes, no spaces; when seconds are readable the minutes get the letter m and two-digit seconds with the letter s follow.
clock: 6h43m39s
